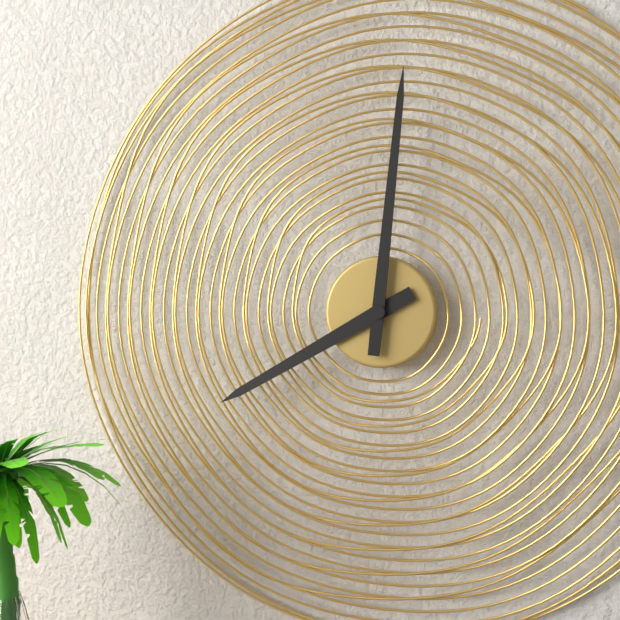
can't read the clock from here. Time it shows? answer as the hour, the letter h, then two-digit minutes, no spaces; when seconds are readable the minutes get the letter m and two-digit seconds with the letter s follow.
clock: 8h01
